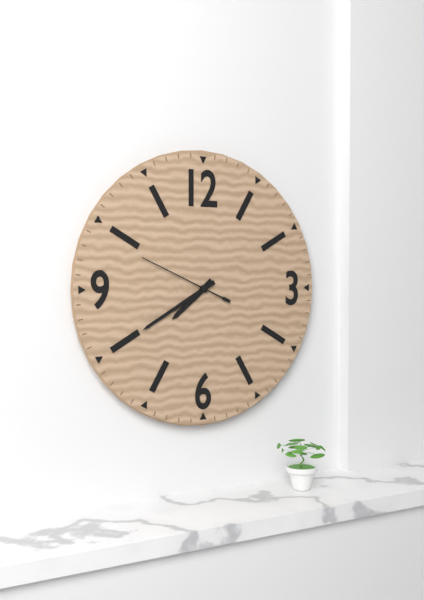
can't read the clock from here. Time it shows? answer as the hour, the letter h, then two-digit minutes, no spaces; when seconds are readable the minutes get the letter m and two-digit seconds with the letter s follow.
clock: 7h40m49s
